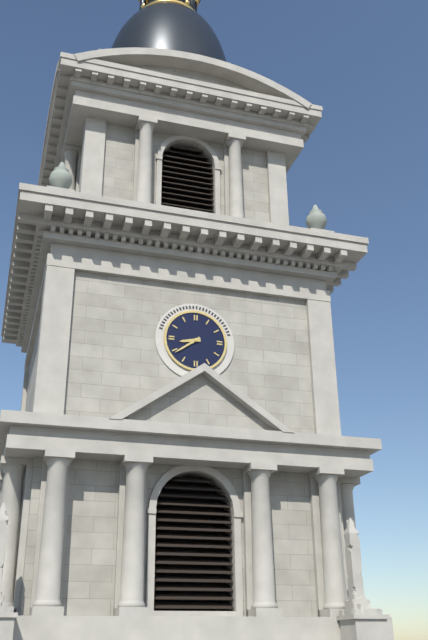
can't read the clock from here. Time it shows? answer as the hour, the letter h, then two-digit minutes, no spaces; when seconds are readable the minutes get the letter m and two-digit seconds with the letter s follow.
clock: 8h39
